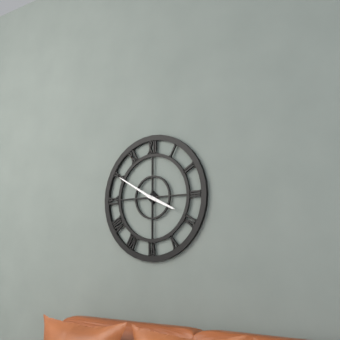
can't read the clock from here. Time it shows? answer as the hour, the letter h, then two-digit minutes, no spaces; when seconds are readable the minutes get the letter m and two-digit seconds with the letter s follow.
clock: 3h50
